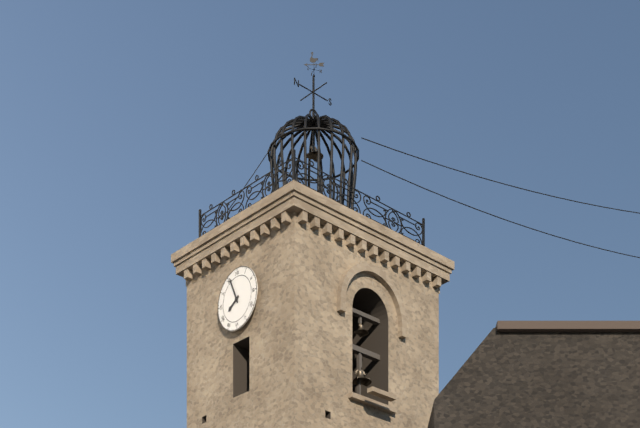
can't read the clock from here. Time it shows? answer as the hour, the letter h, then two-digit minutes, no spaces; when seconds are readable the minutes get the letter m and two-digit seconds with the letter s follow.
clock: 7h56
